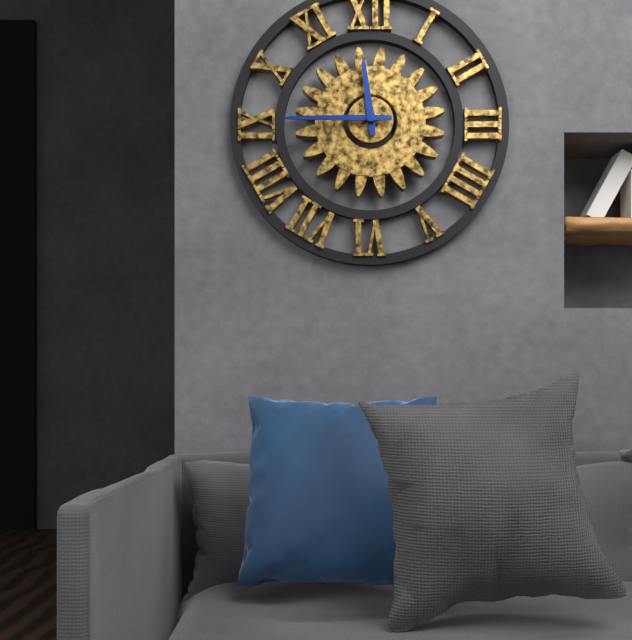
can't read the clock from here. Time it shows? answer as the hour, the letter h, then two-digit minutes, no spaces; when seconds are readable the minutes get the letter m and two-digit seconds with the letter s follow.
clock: 11h45
